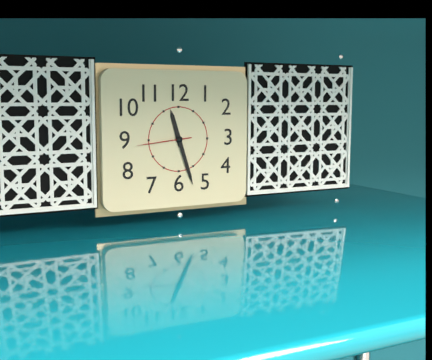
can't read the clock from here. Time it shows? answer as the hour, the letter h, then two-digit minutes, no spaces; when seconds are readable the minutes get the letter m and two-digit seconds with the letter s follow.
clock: 11h27m44s
